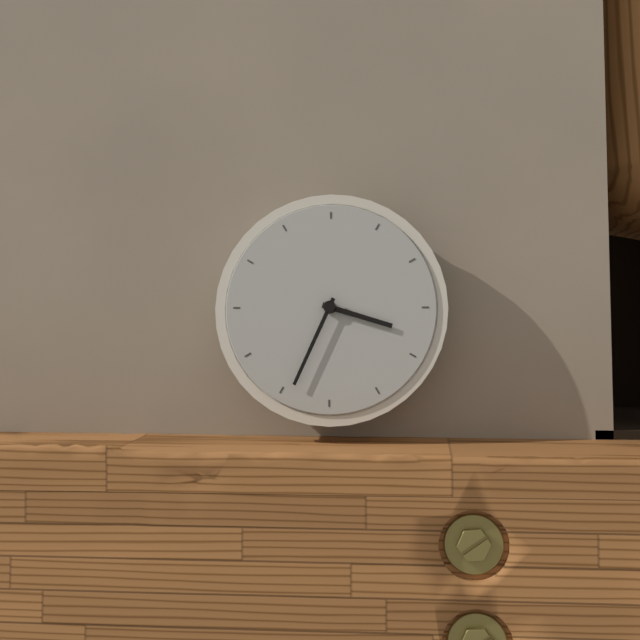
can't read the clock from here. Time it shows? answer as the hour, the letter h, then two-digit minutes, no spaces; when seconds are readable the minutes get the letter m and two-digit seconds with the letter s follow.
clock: 3h34
